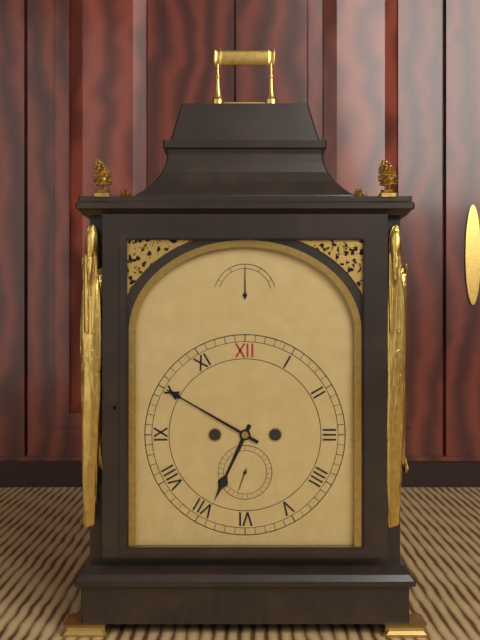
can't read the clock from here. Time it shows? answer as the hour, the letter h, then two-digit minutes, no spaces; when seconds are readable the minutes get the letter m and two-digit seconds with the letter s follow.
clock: 6h50
